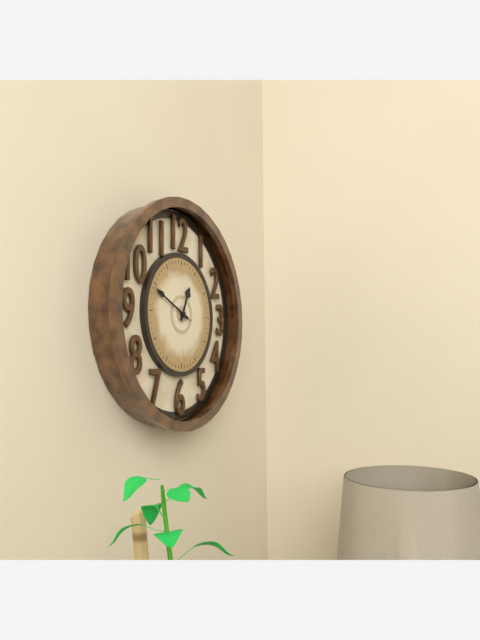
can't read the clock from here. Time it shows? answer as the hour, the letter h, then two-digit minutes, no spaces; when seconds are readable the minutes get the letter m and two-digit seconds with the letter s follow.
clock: 12h49m49s
